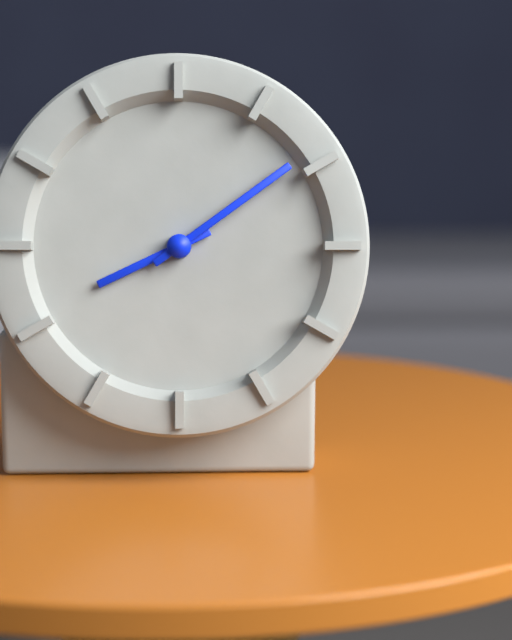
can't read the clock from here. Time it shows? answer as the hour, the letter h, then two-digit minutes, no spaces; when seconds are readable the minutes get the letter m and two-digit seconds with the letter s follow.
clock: 8h09
